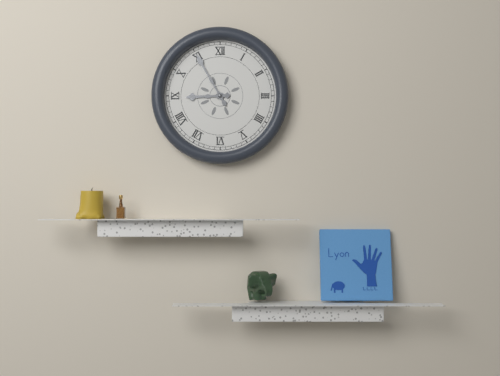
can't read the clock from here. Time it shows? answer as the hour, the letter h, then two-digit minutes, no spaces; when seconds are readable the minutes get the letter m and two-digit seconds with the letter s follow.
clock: 8h55
